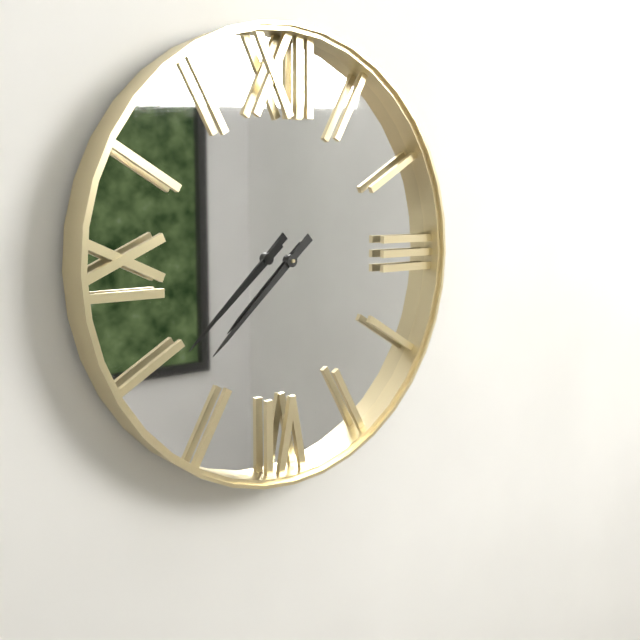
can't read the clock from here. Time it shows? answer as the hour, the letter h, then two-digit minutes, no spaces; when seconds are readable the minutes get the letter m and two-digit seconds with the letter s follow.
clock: 7h38
